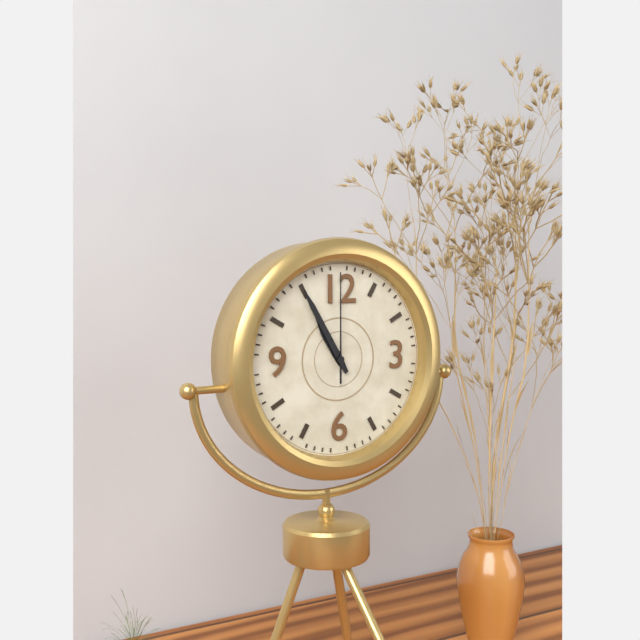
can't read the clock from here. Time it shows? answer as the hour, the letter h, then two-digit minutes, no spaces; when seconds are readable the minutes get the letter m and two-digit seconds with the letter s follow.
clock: 10h55m00s
